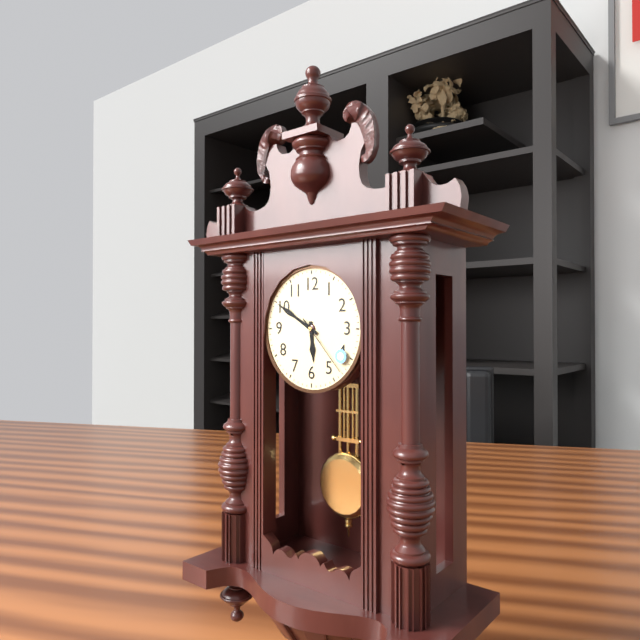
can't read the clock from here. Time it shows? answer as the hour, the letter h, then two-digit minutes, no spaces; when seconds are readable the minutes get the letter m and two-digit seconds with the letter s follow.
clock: 5h50m23s
